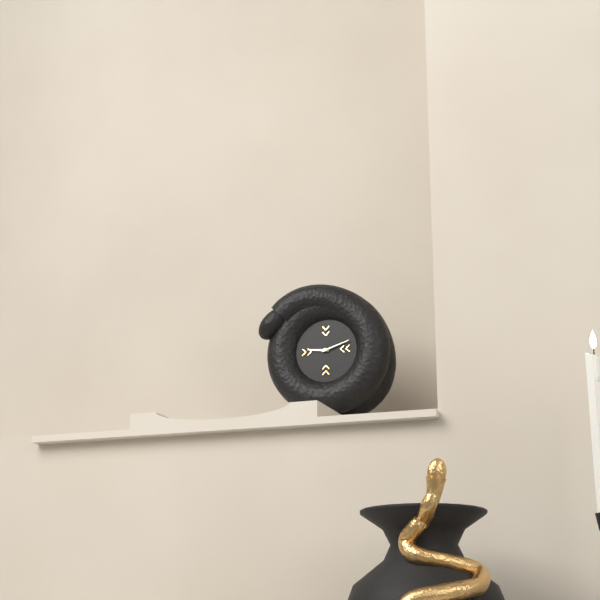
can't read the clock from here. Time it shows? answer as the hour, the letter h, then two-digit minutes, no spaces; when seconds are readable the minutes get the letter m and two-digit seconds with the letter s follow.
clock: 9h12
